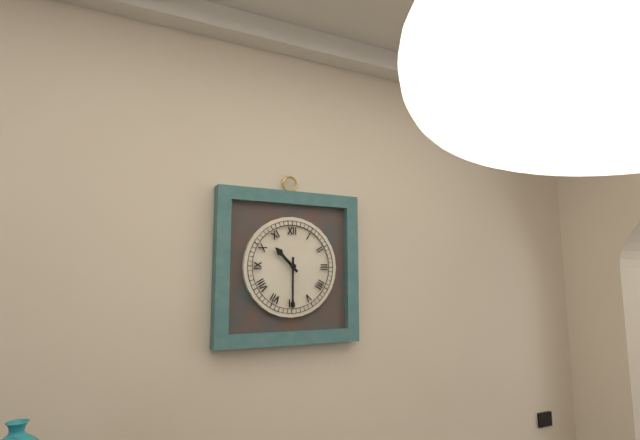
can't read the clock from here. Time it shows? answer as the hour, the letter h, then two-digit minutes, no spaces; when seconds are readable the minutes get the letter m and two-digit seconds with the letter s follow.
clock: 10h30
